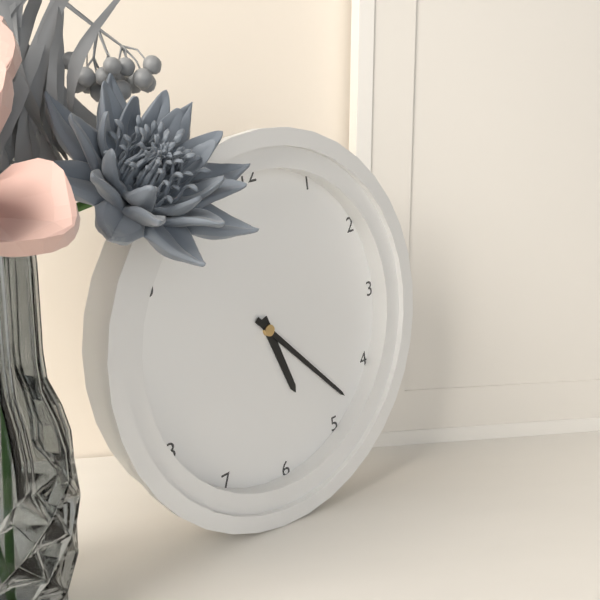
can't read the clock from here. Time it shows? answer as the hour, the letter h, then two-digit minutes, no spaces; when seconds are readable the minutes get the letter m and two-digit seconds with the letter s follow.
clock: 5h23
